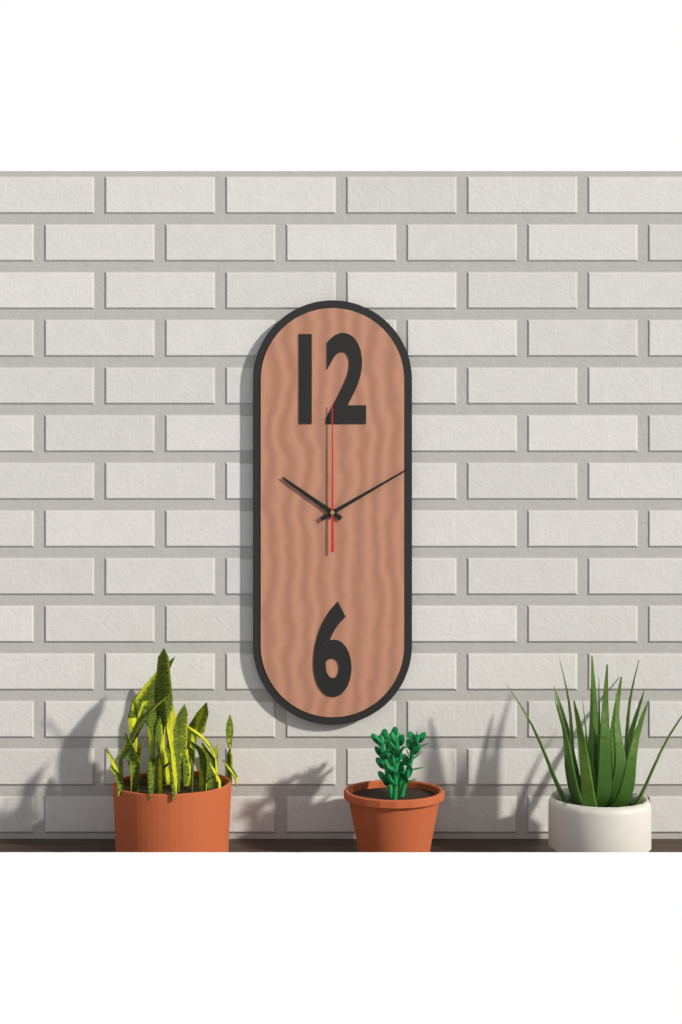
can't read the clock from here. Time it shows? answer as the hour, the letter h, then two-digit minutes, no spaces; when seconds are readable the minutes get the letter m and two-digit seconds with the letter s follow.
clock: 10h10m00s
